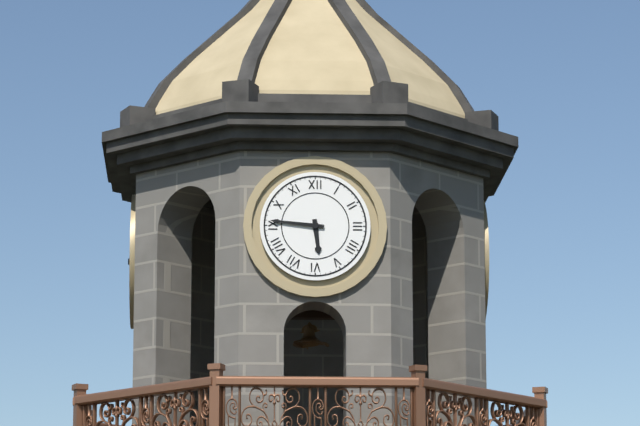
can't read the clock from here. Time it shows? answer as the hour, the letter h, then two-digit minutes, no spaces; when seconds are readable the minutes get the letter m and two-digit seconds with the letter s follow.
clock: 5h46
